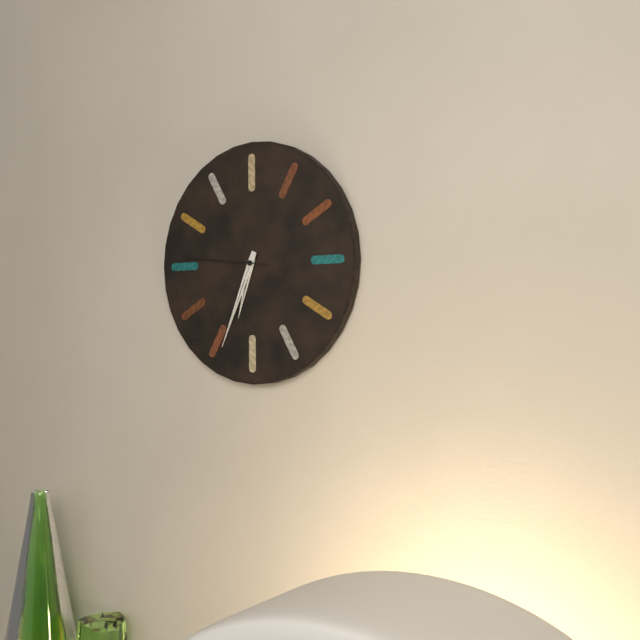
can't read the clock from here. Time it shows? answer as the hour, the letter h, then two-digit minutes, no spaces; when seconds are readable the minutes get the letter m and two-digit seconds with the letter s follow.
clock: 6h34m46s
